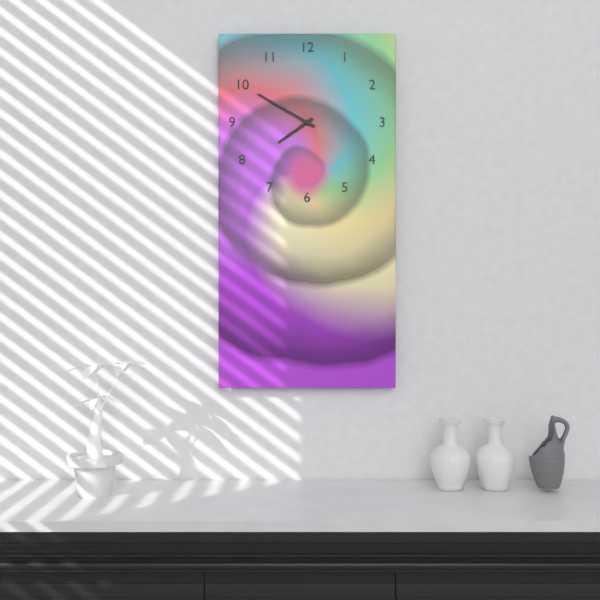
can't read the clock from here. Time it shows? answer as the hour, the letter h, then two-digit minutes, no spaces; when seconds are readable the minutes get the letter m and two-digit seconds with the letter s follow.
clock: 7h50
